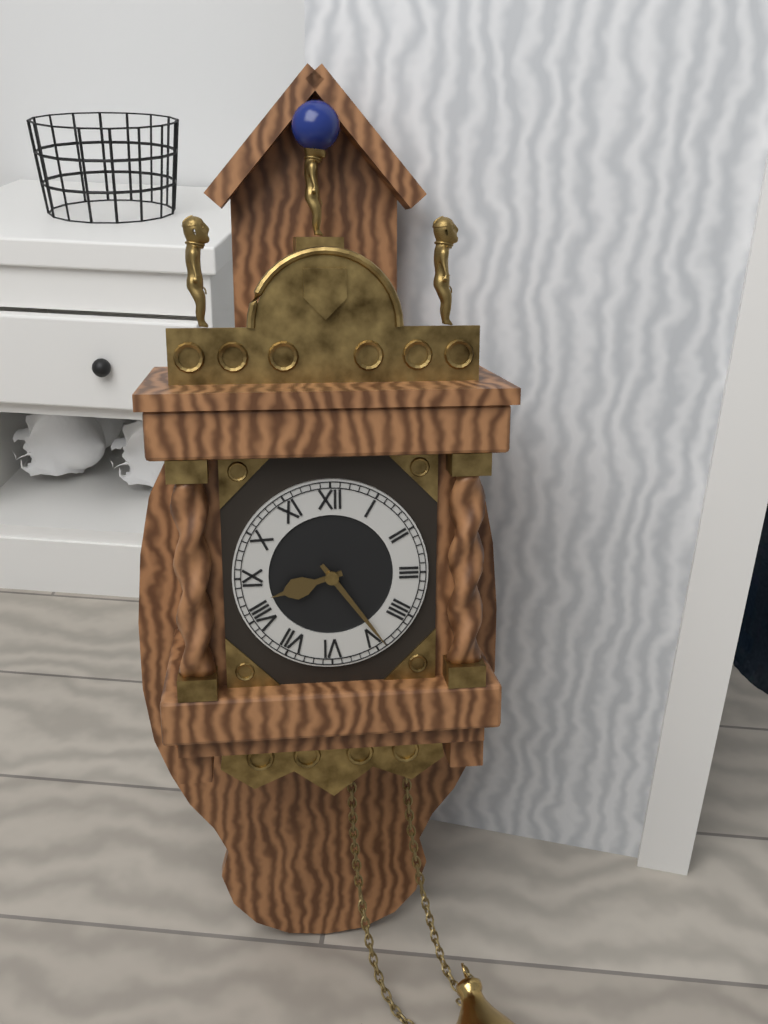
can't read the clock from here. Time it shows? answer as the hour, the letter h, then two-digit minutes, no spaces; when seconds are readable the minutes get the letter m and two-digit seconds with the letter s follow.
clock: 8h24
